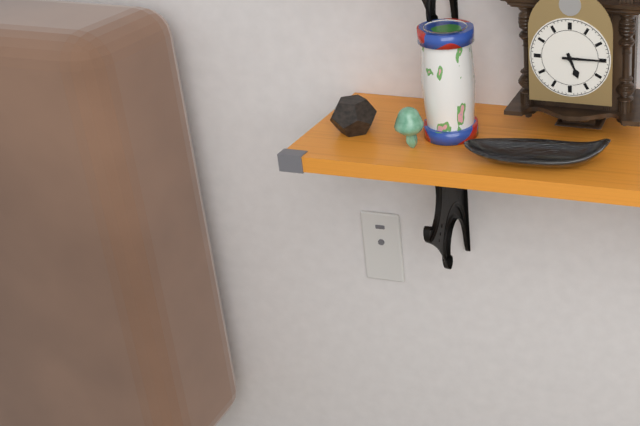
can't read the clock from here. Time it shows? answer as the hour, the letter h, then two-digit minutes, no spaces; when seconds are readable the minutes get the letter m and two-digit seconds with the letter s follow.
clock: 5h15
